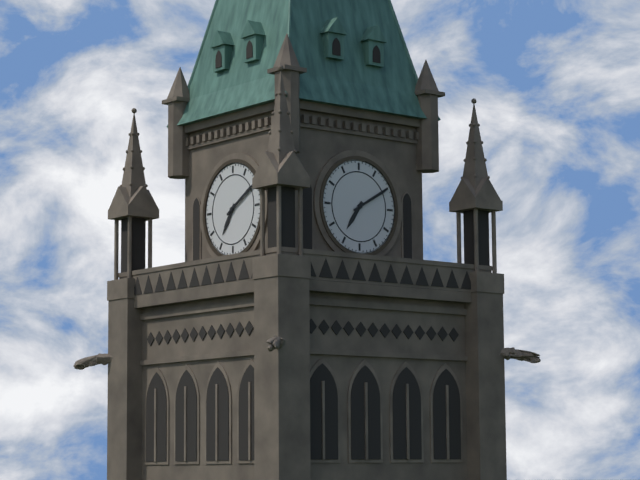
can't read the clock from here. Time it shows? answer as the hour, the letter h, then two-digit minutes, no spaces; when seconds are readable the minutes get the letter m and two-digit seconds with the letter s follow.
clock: 7h10
